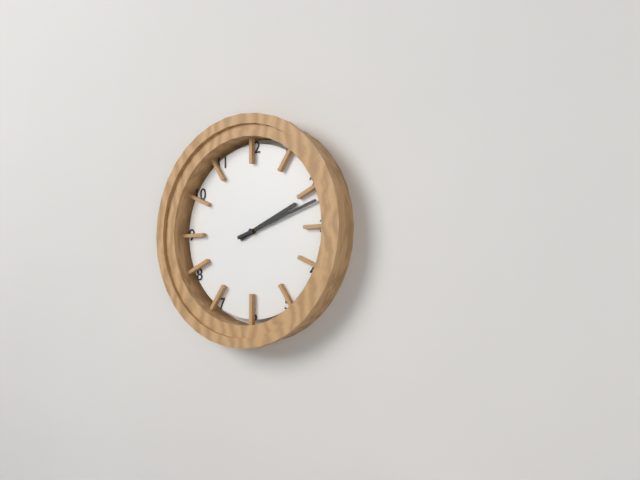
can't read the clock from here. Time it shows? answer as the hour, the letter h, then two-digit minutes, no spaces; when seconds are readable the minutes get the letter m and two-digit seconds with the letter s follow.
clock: 2h12
